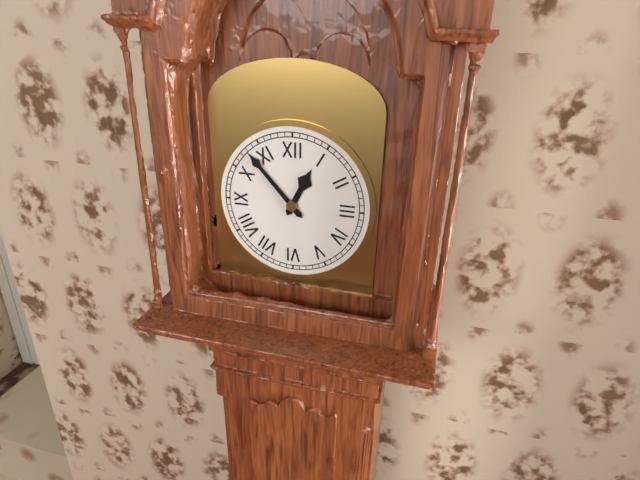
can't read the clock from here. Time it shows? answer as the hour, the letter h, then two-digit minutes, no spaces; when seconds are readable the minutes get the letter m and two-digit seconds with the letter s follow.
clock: 12h53
